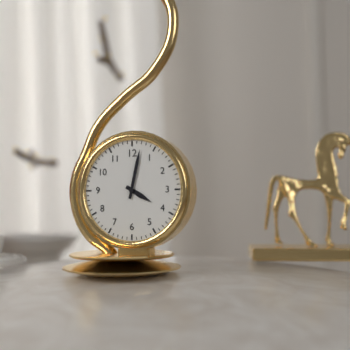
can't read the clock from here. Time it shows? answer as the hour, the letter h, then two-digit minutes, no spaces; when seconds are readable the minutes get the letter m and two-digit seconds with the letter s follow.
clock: 4h02
